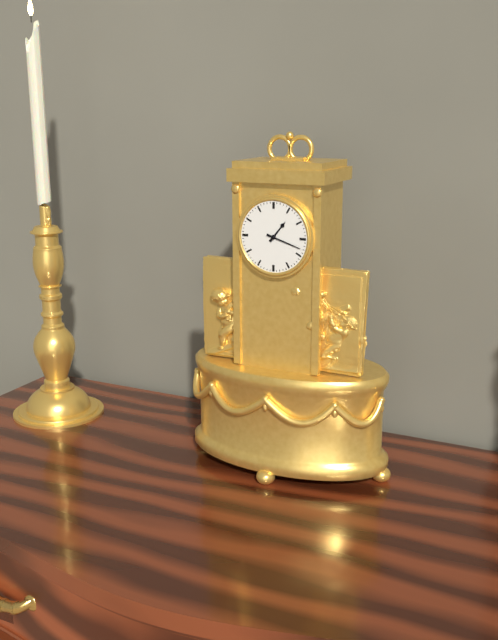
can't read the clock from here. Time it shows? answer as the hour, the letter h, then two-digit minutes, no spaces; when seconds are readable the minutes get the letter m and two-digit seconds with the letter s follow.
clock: 1h18
